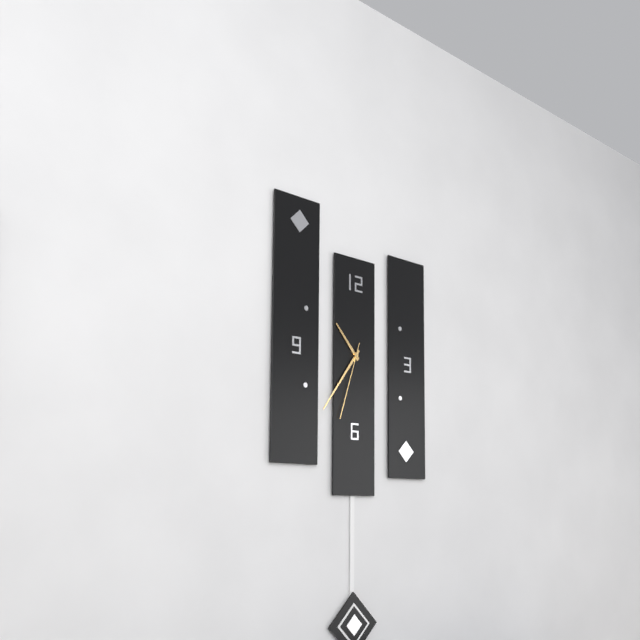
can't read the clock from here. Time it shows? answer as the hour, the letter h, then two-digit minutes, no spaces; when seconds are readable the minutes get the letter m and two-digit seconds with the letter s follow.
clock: 10h36m33s
